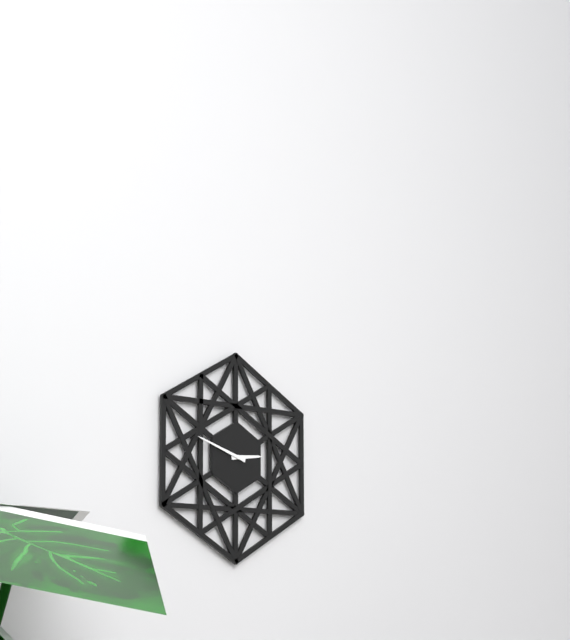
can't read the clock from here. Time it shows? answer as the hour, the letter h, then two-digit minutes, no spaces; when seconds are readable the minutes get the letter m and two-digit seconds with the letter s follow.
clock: 2h48
